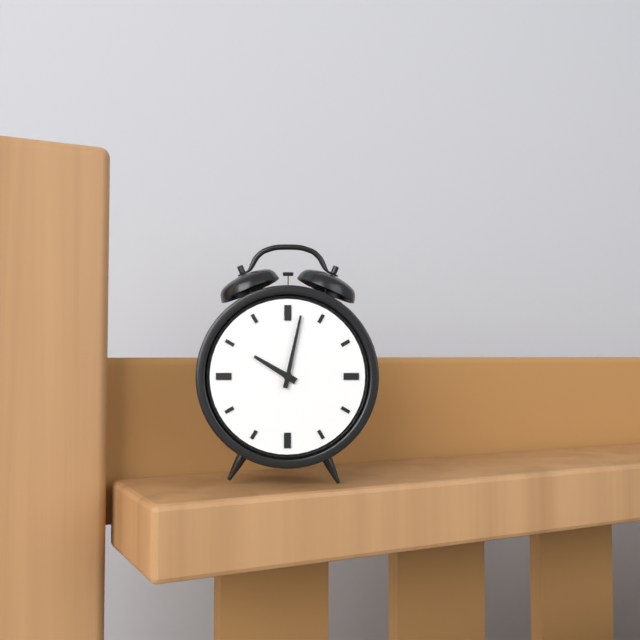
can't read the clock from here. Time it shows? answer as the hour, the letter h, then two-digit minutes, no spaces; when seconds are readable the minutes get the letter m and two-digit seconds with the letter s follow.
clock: 10h02
